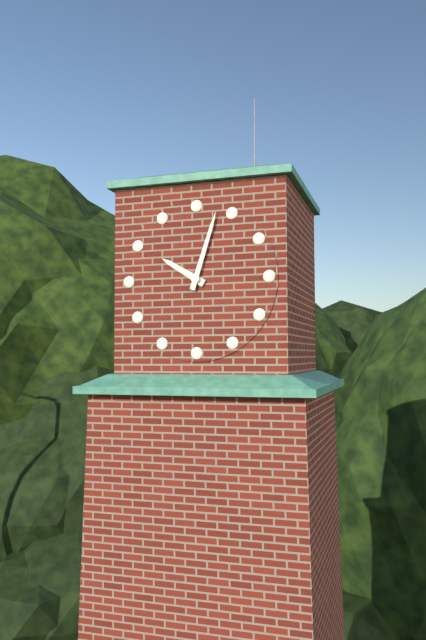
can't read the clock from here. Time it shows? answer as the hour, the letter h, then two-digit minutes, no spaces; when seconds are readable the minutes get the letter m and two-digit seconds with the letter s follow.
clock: 10h03
